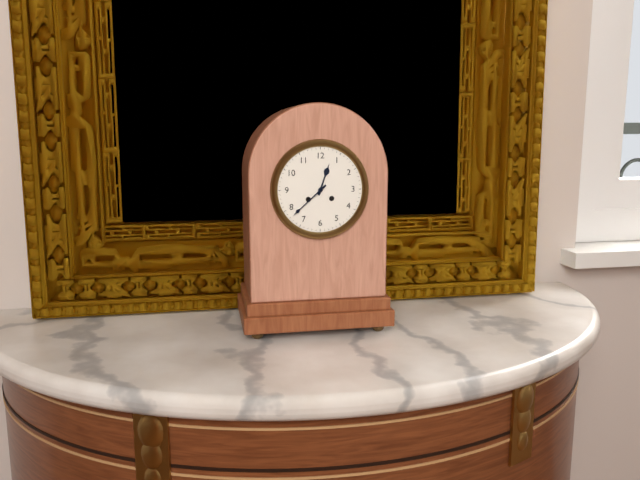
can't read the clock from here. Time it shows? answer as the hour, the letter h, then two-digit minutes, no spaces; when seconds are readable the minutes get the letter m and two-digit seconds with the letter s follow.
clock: 12h38
